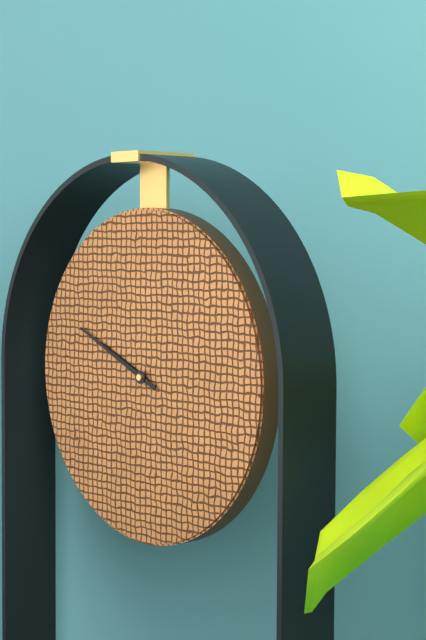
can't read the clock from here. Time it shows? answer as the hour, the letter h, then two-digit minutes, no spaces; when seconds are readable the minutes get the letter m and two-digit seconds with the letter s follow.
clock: 9h49
